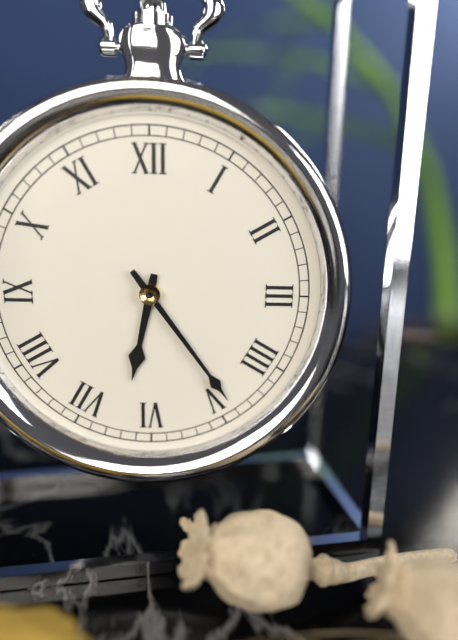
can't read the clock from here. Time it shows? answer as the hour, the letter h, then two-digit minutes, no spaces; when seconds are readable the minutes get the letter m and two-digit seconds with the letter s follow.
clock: 6h24
